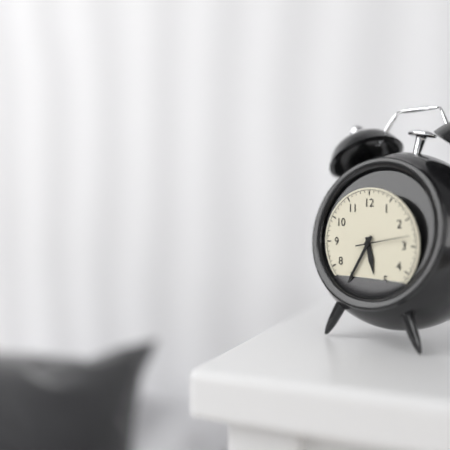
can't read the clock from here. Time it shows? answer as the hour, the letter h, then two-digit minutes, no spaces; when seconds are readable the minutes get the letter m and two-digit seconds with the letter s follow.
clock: 5h35m13s
